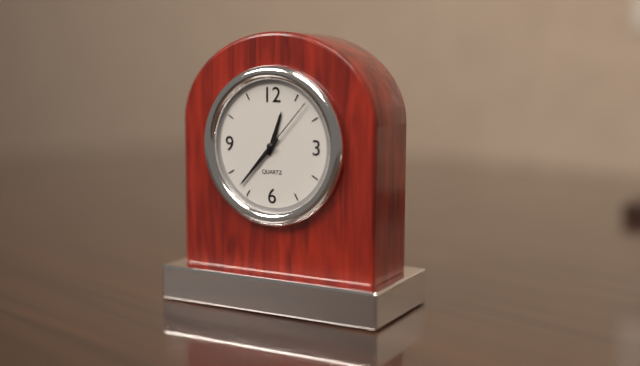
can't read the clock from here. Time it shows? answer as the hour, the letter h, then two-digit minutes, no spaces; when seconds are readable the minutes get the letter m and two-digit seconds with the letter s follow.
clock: 12h37m07s
